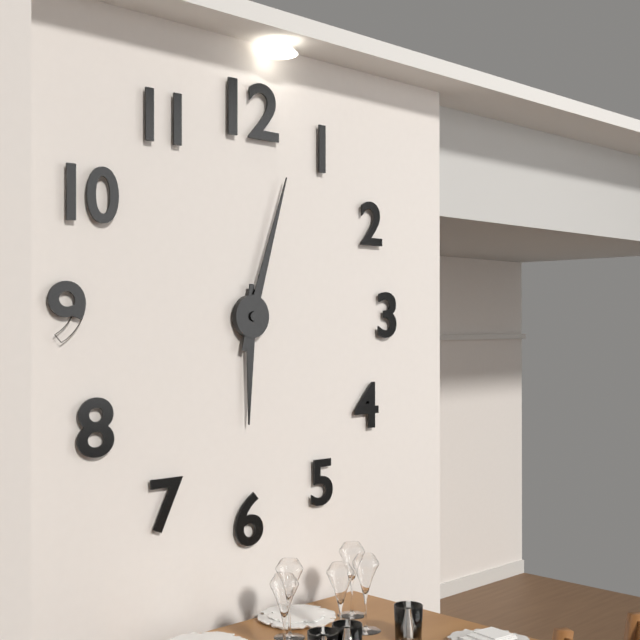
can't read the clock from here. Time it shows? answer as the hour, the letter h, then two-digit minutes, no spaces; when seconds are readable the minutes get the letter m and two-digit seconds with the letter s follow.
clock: 6h03
